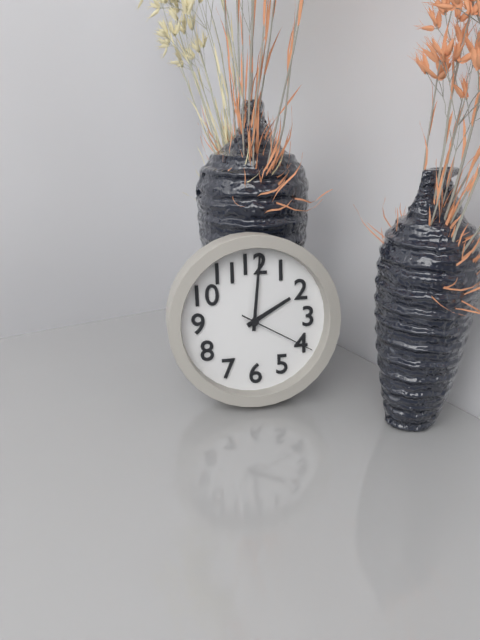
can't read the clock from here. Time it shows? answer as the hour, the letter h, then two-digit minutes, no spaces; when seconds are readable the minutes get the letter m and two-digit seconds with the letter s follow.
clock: 2h01m20s
